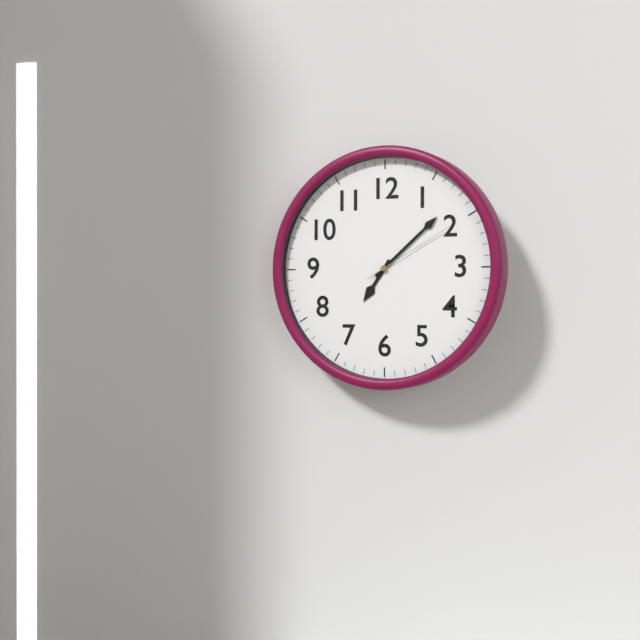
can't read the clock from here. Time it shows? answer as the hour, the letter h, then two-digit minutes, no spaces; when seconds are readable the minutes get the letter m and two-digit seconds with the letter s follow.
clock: 7h08m10s
